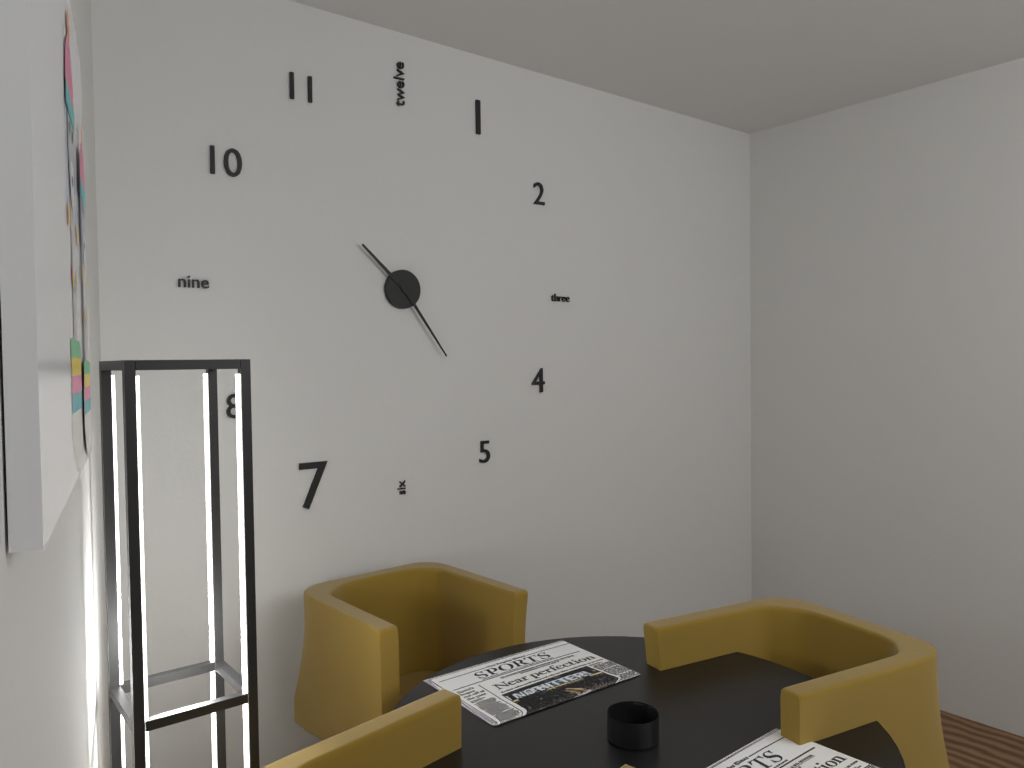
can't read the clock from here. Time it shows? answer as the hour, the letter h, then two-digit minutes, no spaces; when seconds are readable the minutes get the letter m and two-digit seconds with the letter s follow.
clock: 10h24
